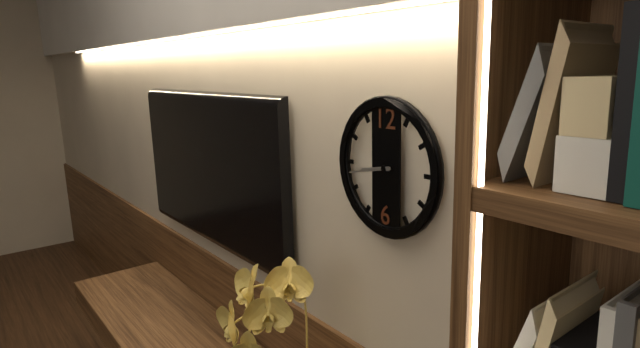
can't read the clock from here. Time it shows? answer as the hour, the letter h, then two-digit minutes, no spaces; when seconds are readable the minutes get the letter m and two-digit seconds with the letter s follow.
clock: 8h43
